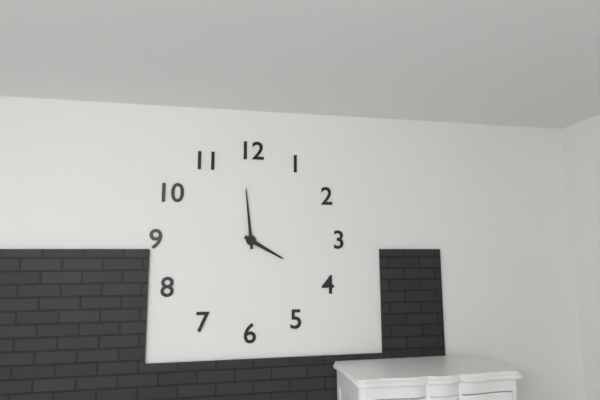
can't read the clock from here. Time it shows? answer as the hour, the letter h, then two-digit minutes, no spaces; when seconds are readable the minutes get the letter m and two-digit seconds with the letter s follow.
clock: 3h59
